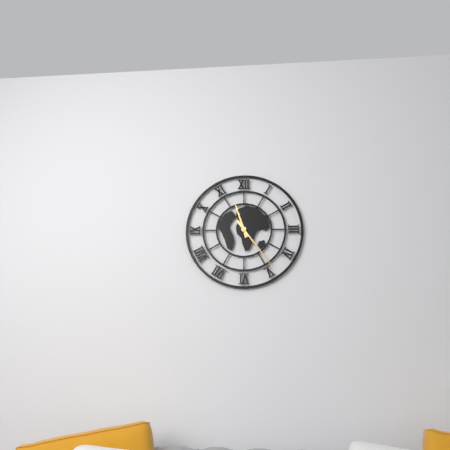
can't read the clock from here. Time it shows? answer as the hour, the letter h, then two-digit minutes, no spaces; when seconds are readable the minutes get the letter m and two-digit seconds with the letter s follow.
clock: 11h24
